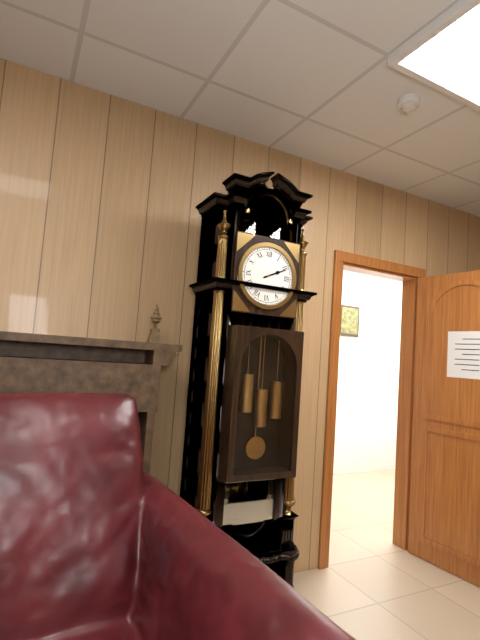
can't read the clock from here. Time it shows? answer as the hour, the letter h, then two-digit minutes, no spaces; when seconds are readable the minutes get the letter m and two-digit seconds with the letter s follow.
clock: 2h11
